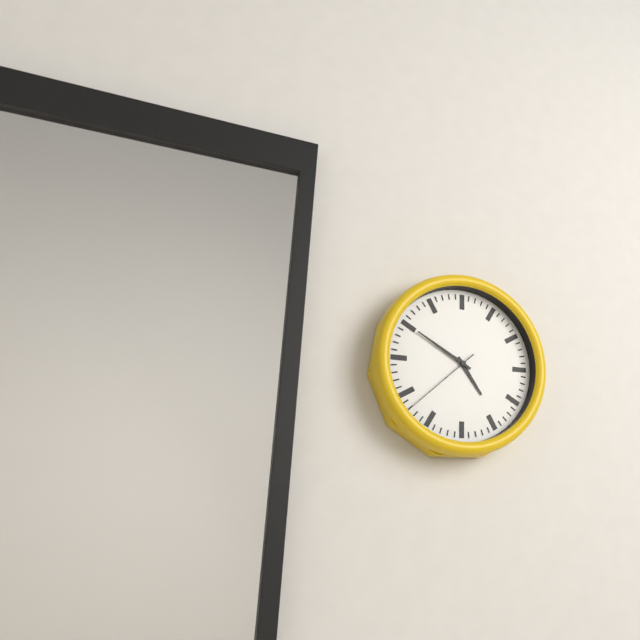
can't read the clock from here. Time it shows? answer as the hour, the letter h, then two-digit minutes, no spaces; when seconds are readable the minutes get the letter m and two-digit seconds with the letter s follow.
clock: 4h50m38s
